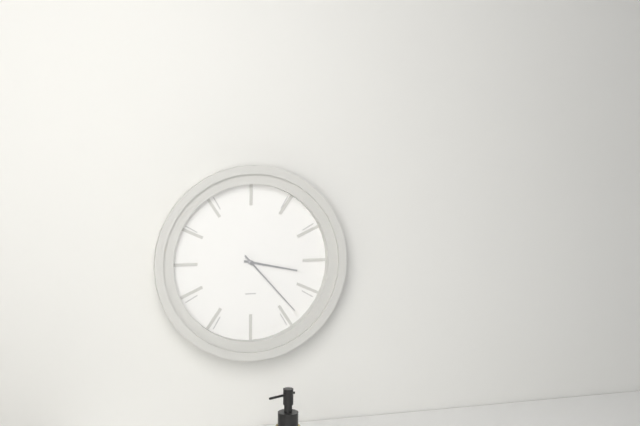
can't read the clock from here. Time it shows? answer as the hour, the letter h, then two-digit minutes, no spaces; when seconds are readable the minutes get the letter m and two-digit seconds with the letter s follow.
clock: 3h23
